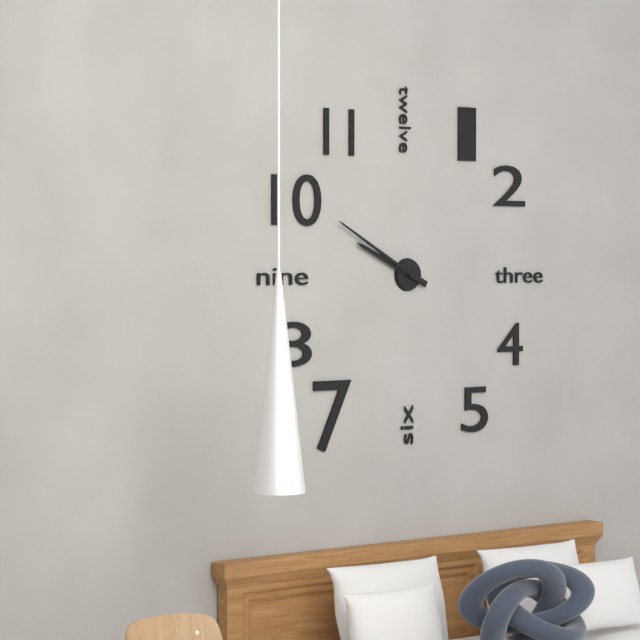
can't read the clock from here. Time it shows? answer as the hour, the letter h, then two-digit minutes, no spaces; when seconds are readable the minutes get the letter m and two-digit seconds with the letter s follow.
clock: 9h50
